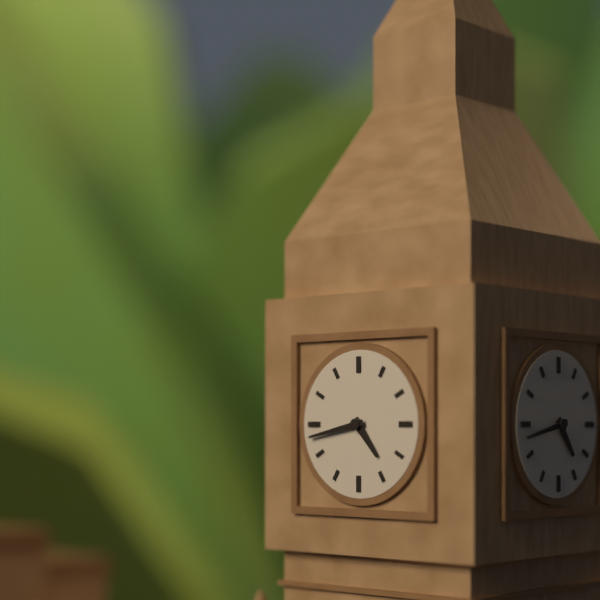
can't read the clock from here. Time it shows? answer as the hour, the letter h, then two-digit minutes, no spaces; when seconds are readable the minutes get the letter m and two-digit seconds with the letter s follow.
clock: 4h43
